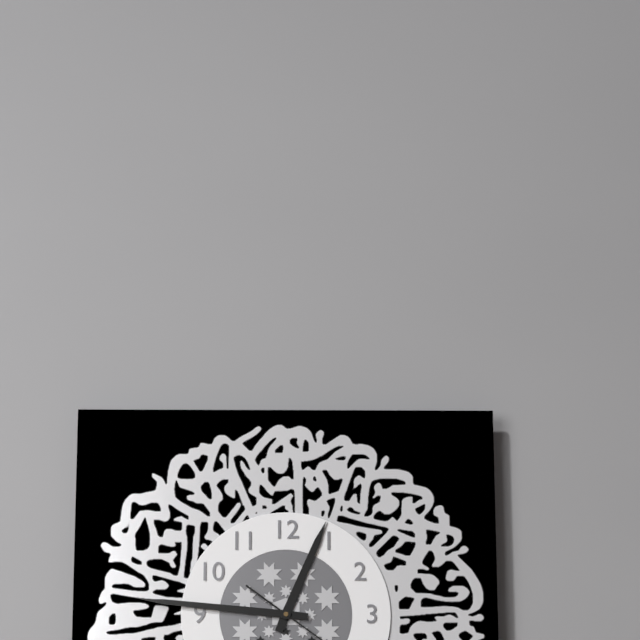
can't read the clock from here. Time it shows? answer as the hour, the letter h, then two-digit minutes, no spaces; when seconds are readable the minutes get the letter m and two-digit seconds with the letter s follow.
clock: 12h46
